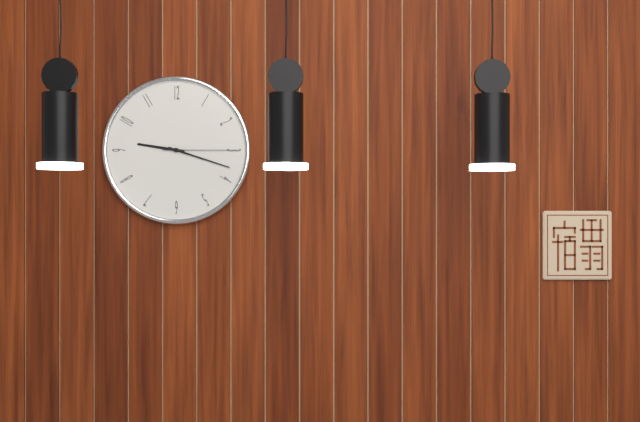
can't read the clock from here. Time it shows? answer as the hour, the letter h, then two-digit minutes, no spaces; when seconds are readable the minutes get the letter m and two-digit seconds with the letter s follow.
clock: 9h18m15s
